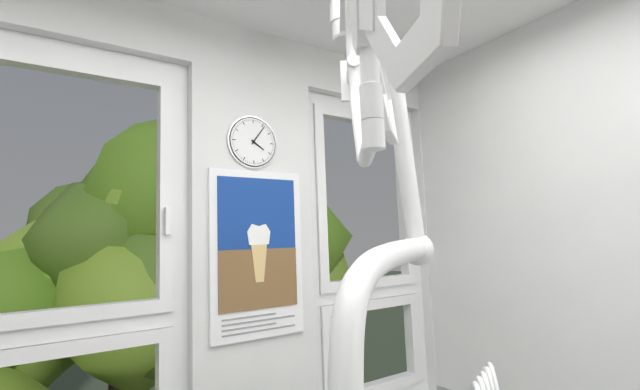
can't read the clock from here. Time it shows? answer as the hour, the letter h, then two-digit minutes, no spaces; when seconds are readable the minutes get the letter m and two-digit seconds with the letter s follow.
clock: 4h06
